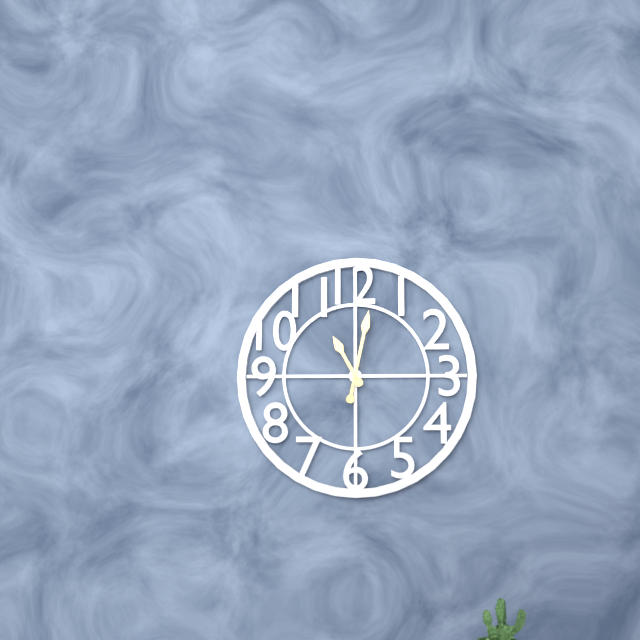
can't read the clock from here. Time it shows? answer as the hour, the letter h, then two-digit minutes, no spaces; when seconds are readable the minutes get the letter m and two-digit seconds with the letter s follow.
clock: 11h02
